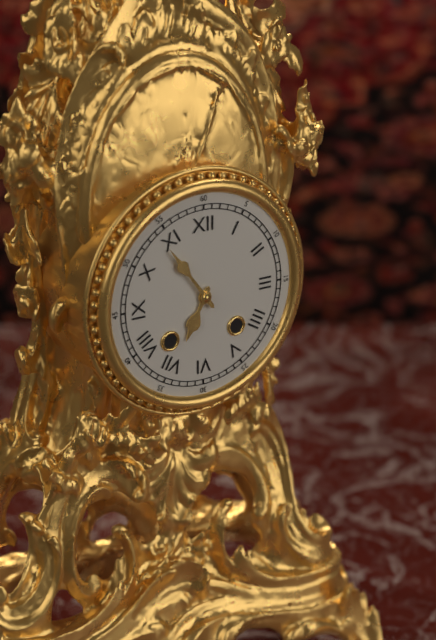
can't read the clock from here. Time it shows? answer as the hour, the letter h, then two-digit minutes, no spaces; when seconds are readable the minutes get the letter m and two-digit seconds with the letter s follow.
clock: 6h54
